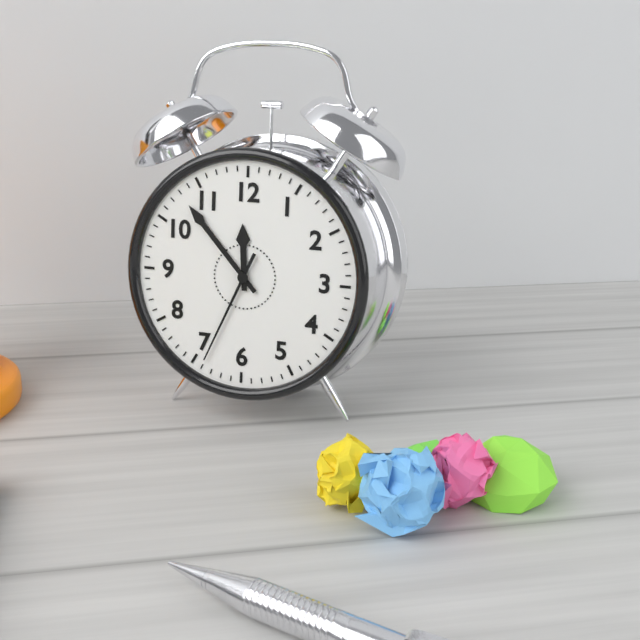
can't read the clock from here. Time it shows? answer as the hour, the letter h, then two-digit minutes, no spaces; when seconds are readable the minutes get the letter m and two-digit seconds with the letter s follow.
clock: 11h53m34s
